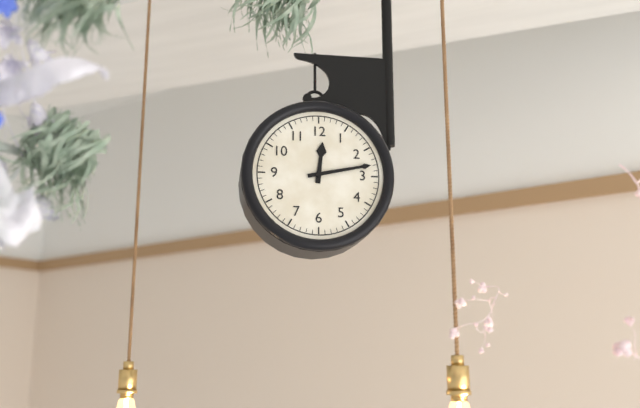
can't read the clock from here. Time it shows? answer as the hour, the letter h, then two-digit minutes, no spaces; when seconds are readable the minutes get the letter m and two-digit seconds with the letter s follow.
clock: 12h13
